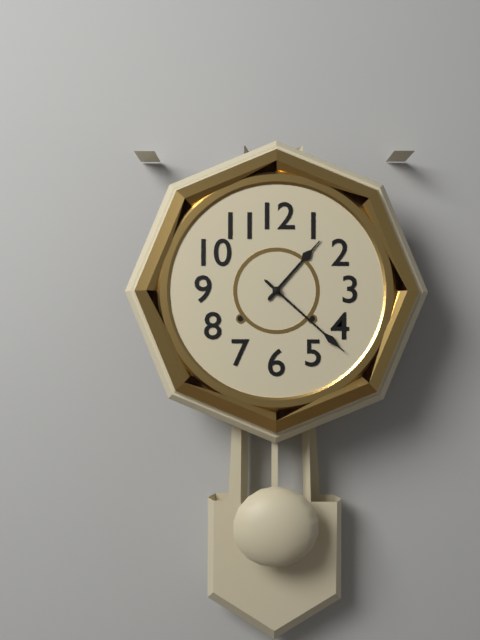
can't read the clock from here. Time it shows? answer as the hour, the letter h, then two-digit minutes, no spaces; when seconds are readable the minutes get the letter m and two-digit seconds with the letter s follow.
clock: 1h22
